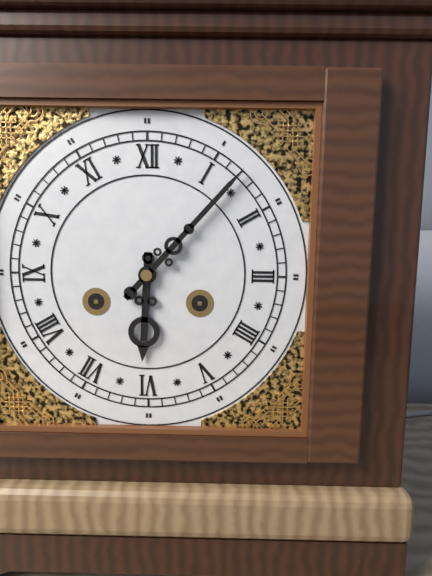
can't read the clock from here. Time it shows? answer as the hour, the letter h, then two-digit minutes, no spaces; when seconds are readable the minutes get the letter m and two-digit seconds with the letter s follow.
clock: 6h07
